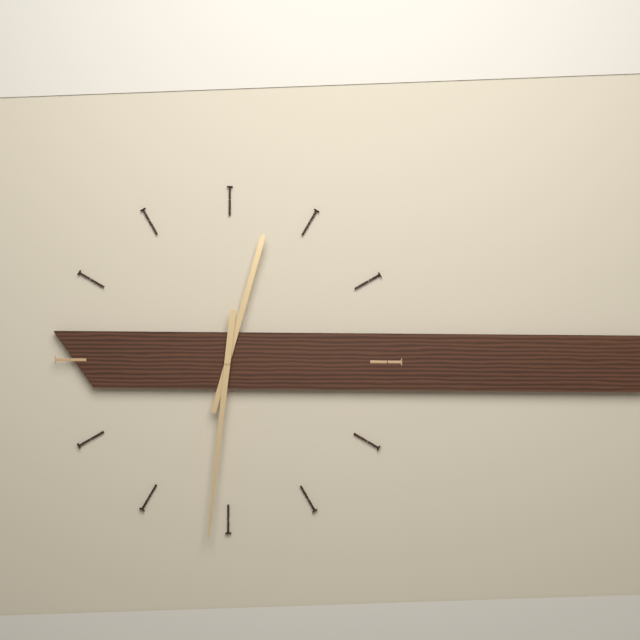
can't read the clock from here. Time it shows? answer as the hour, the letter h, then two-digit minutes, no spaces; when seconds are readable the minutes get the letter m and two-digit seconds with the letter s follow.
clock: 12h31
